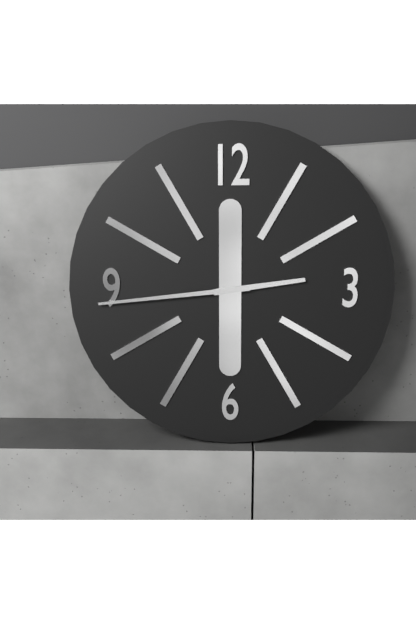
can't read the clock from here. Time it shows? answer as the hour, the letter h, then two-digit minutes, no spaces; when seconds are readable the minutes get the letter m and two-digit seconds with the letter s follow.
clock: 2h44
